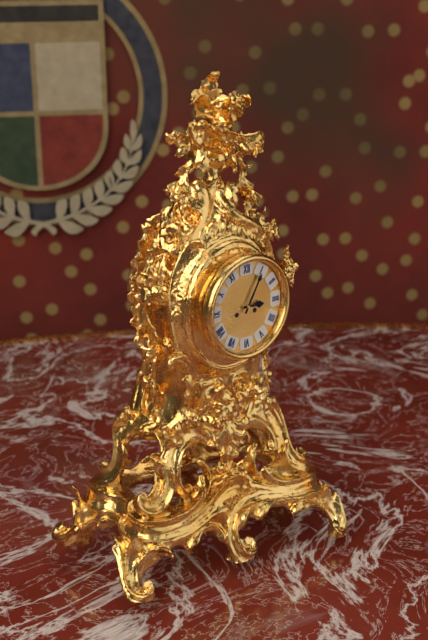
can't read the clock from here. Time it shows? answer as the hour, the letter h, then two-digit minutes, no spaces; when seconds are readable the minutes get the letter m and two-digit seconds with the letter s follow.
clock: 3h05
